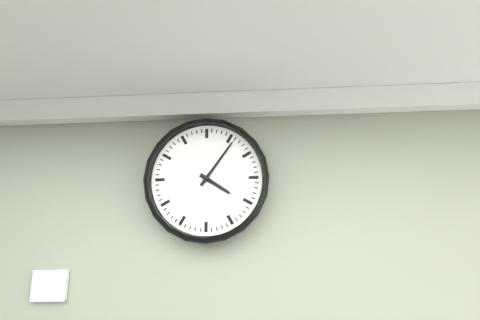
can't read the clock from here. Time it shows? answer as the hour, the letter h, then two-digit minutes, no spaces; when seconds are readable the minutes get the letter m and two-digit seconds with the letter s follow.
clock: 4h06
